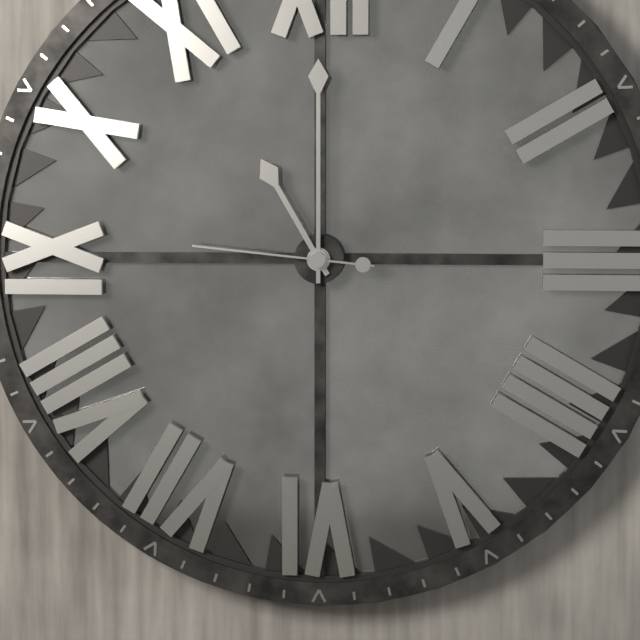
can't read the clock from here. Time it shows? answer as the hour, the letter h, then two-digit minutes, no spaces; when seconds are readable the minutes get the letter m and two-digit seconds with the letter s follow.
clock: 11h00m46s
